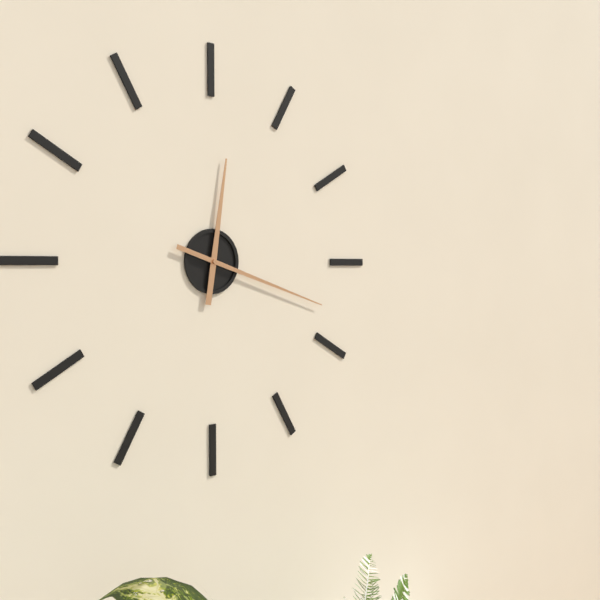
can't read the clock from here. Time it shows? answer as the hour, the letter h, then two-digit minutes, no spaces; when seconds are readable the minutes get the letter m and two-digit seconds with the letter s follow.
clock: 12h18
